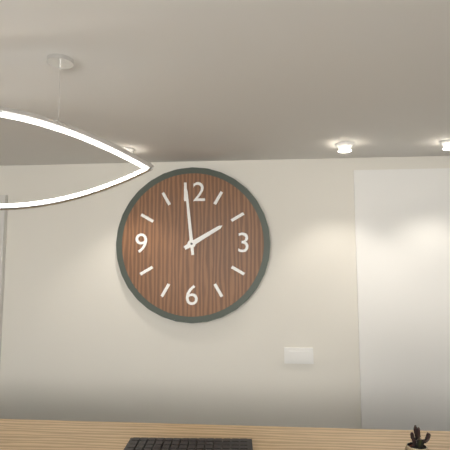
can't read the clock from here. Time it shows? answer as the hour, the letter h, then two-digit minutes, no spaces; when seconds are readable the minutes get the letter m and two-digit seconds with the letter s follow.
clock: 1h59
